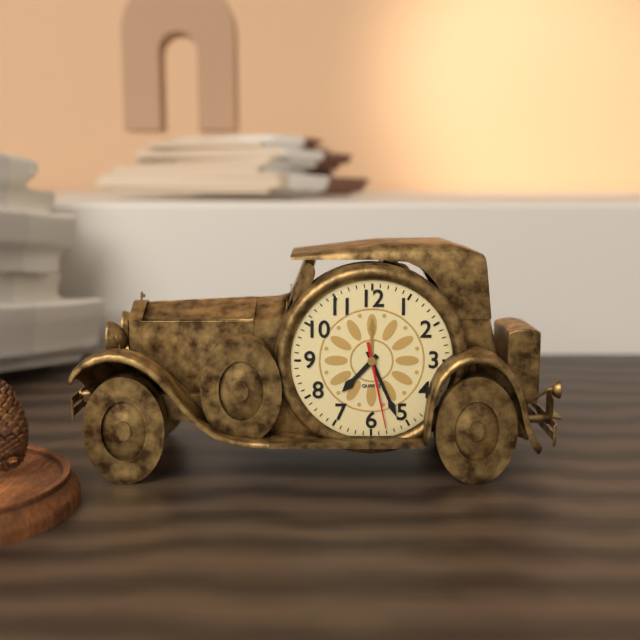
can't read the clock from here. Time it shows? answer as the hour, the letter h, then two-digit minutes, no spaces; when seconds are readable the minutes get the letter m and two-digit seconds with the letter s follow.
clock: 7h26m28s
